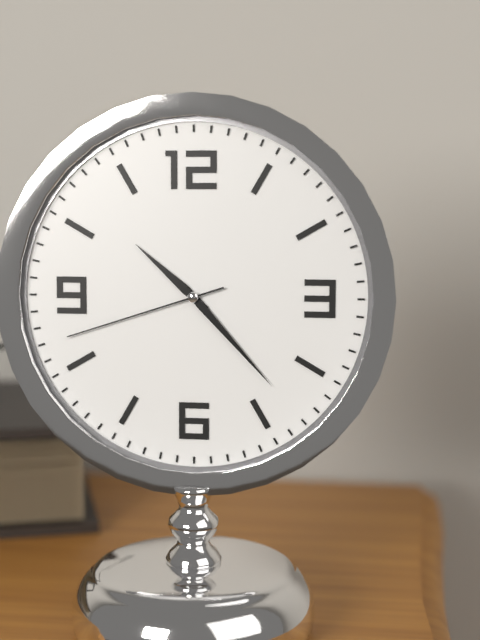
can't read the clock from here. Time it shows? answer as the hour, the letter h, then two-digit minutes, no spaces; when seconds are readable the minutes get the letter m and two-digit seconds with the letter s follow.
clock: 10h23m42s
